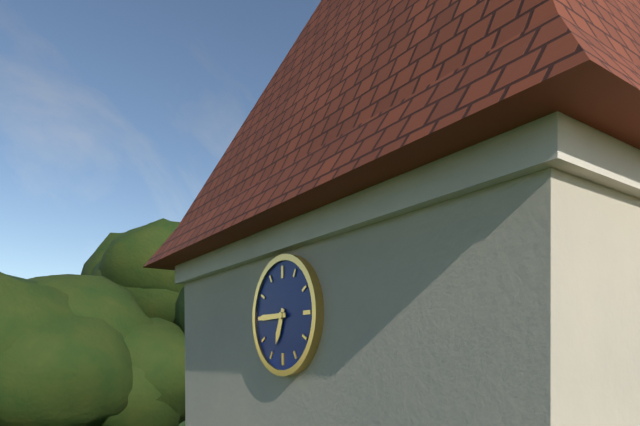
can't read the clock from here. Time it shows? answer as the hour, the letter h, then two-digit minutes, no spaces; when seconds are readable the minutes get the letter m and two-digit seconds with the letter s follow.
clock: 6h45
